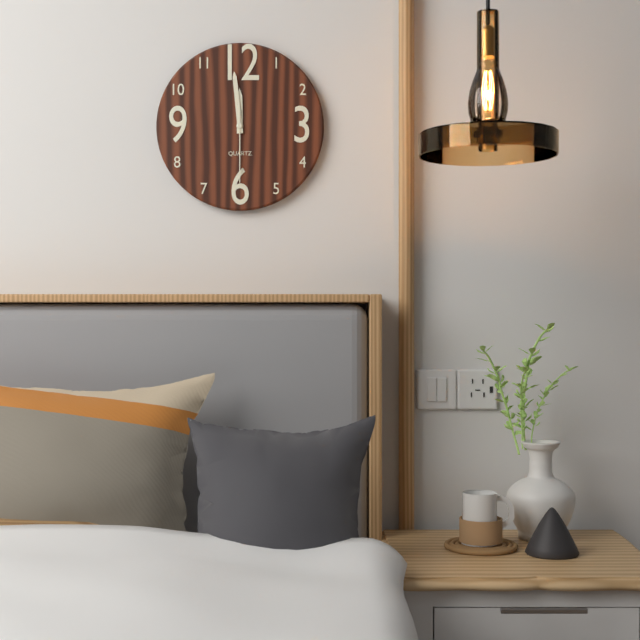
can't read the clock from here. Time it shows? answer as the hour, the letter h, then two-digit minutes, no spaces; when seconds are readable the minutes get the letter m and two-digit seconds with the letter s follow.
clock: 11h59m30s
